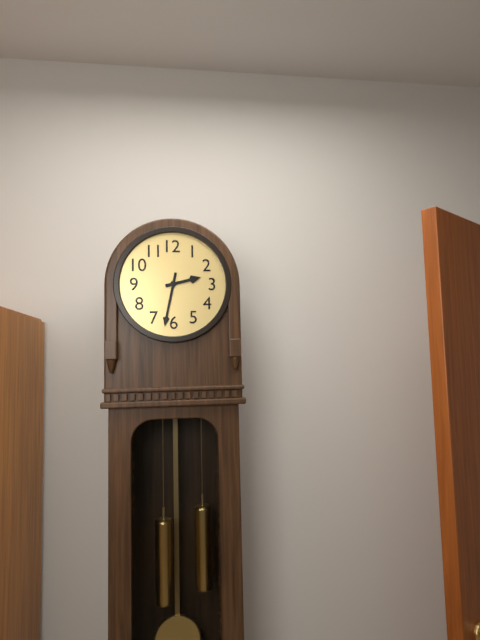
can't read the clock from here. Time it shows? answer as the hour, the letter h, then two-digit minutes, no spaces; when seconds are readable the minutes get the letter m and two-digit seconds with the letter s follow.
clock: 2h32
